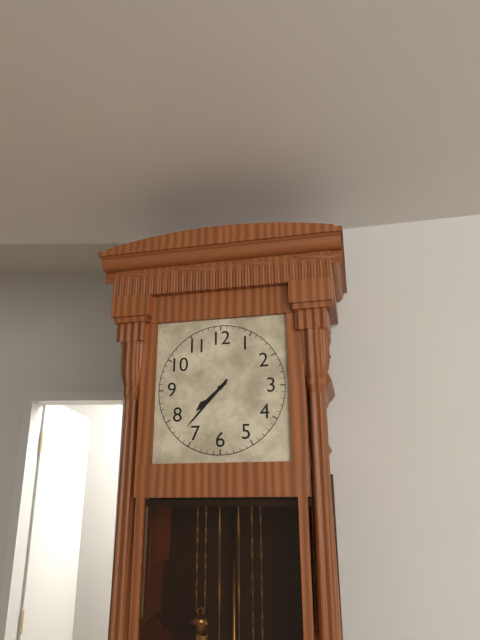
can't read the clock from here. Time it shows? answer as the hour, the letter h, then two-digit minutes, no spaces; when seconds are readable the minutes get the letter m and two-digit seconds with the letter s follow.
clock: 7h37
